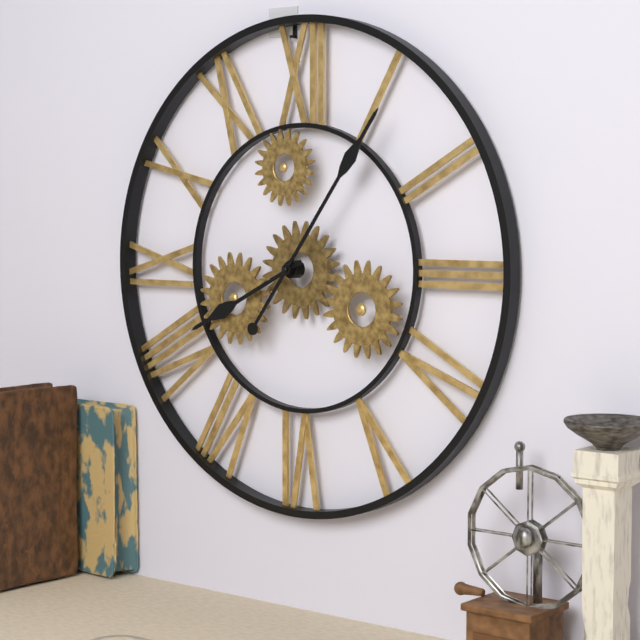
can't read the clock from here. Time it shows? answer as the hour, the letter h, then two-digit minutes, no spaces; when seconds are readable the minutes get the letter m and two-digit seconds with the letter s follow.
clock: 8h06
